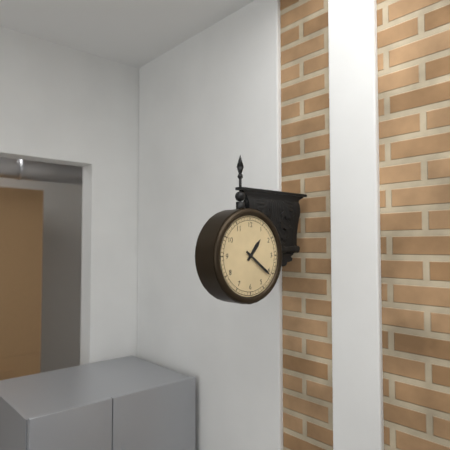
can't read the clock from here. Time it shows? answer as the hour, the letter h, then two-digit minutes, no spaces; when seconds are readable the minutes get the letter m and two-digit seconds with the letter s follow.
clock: 1h21
